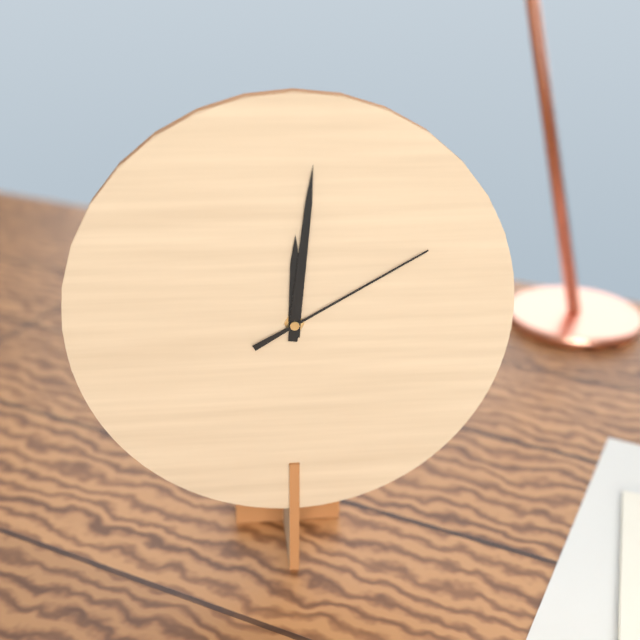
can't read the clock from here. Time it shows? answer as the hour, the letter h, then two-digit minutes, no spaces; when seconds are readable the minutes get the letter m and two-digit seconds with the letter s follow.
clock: 12h01m10s
